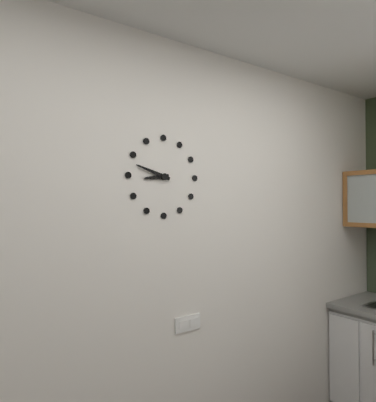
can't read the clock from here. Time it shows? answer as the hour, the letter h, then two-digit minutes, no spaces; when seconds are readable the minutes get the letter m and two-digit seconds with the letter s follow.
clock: 8h48
